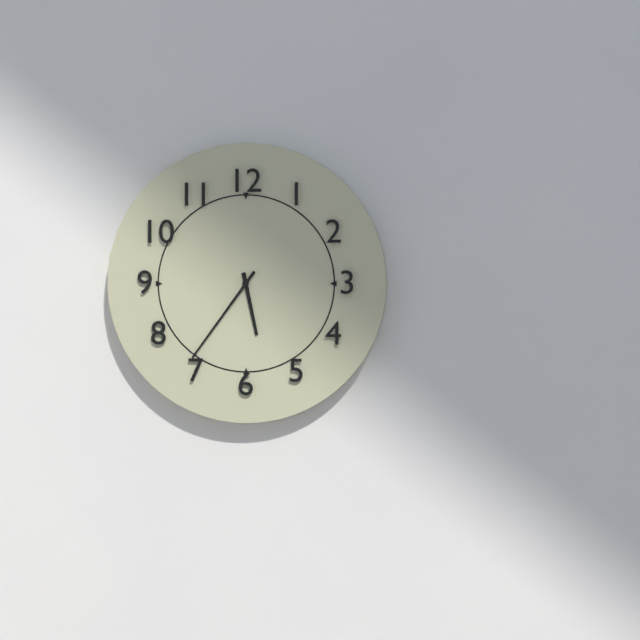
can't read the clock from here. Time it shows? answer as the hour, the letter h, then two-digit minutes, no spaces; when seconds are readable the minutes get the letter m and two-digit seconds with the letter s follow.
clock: 5h36
